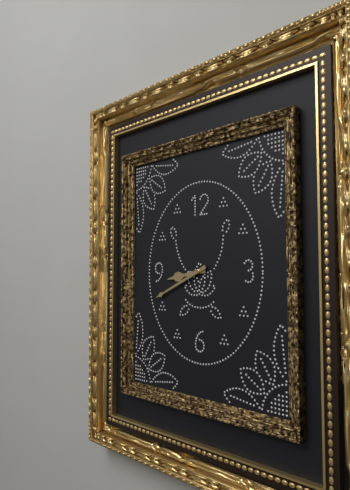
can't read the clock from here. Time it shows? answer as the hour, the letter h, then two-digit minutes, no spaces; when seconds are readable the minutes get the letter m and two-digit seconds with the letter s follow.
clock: 8h41
